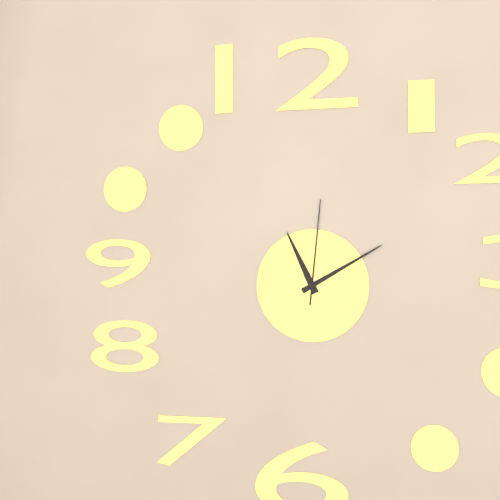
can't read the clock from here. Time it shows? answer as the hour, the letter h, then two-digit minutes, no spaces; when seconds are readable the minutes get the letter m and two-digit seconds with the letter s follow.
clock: 11h10m01s
